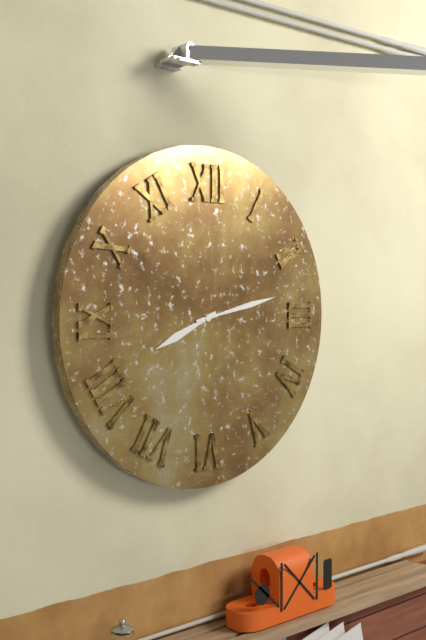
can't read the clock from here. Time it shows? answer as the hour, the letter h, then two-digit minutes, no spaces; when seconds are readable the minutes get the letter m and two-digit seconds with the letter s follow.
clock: 8h13
